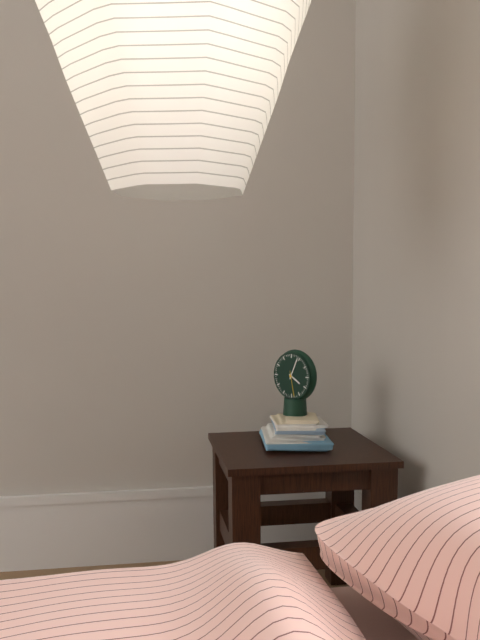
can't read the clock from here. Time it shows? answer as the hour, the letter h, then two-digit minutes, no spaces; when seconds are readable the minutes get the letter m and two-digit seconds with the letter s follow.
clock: 4h04
